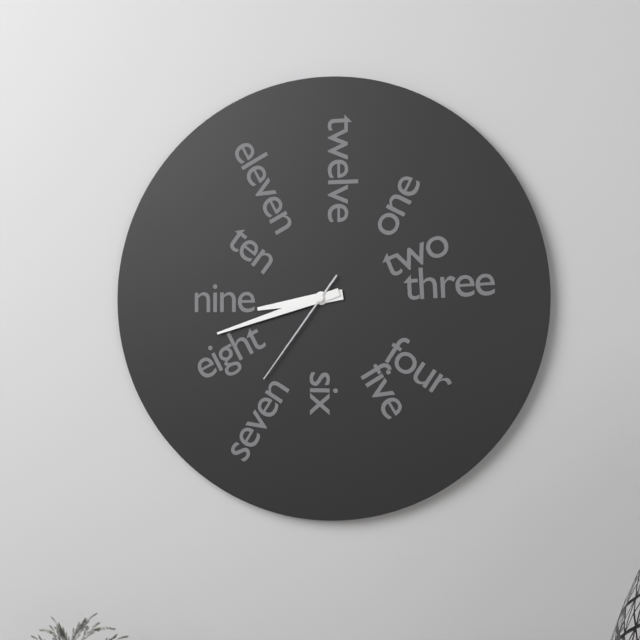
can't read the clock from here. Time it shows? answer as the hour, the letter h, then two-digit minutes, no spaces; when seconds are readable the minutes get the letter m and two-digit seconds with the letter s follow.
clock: 8h42m36s
